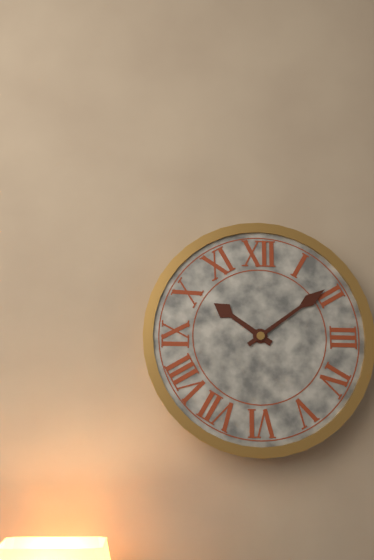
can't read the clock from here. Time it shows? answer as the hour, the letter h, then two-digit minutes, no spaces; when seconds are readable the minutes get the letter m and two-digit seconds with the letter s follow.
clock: 10h09
